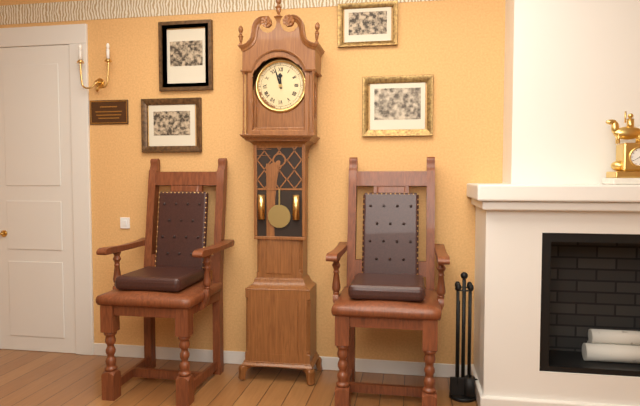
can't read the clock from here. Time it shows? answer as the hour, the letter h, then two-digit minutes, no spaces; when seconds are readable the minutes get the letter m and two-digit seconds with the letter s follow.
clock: 11h57
